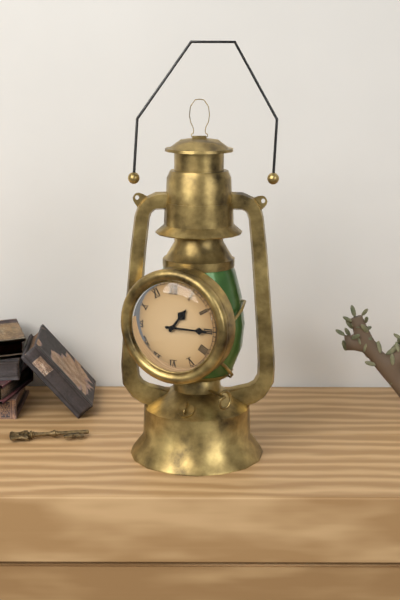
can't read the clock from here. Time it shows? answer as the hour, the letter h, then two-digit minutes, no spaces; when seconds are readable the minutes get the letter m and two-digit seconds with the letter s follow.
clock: 1h15
